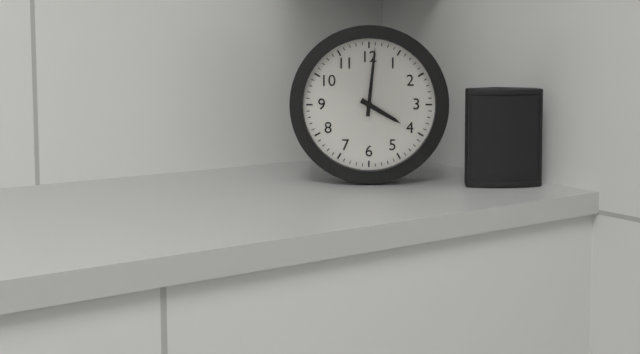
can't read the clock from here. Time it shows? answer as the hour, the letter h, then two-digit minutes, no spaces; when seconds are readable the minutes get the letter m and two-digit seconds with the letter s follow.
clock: 4h01
